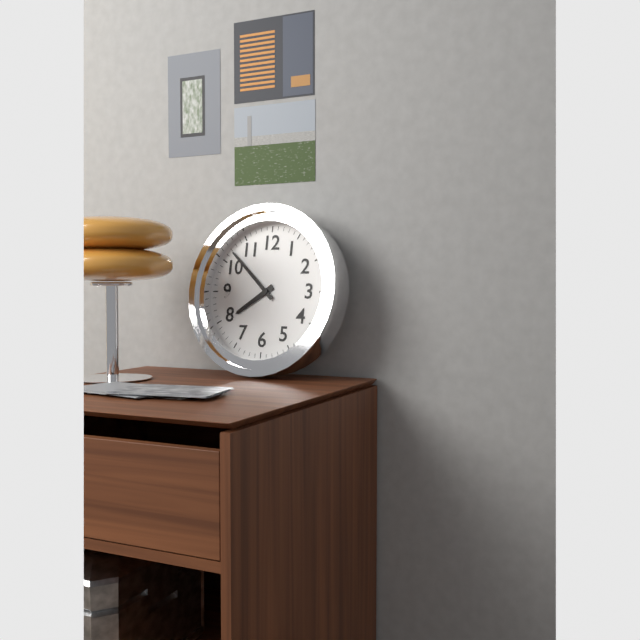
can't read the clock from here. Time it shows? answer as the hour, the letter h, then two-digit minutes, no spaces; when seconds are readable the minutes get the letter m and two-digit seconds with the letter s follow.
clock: 7h52
